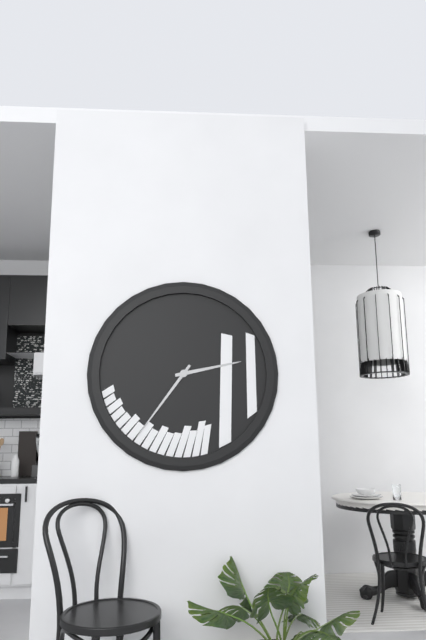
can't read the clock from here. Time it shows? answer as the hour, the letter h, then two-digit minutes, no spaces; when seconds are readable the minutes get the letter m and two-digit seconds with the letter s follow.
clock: 2h36
